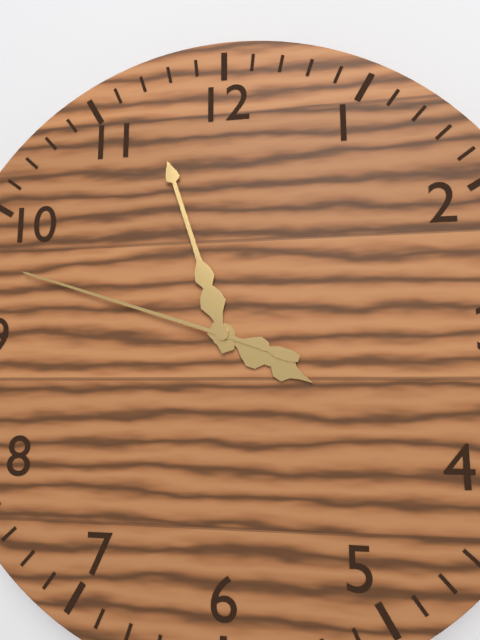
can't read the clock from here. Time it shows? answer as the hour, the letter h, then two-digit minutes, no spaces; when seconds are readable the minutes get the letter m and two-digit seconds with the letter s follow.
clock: 3h57m48s
